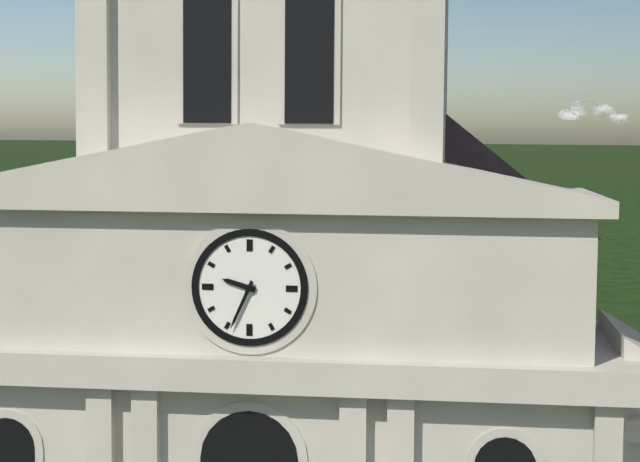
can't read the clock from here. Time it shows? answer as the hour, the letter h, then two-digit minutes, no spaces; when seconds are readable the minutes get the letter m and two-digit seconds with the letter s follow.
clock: 9h34
